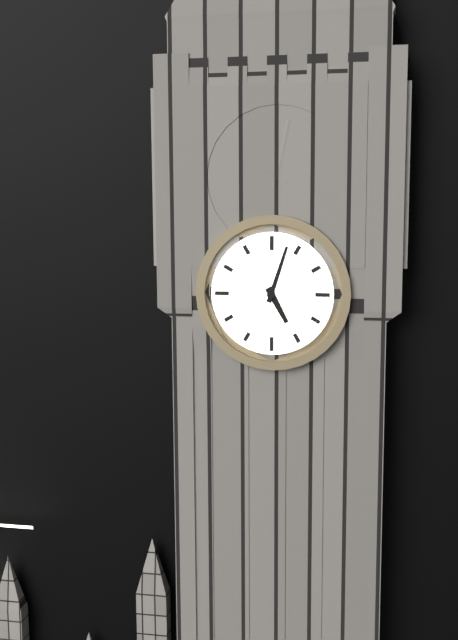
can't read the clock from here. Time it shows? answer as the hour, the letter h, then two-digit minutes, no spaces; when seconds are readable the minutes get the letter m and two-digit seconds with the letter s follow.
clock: 5h03
